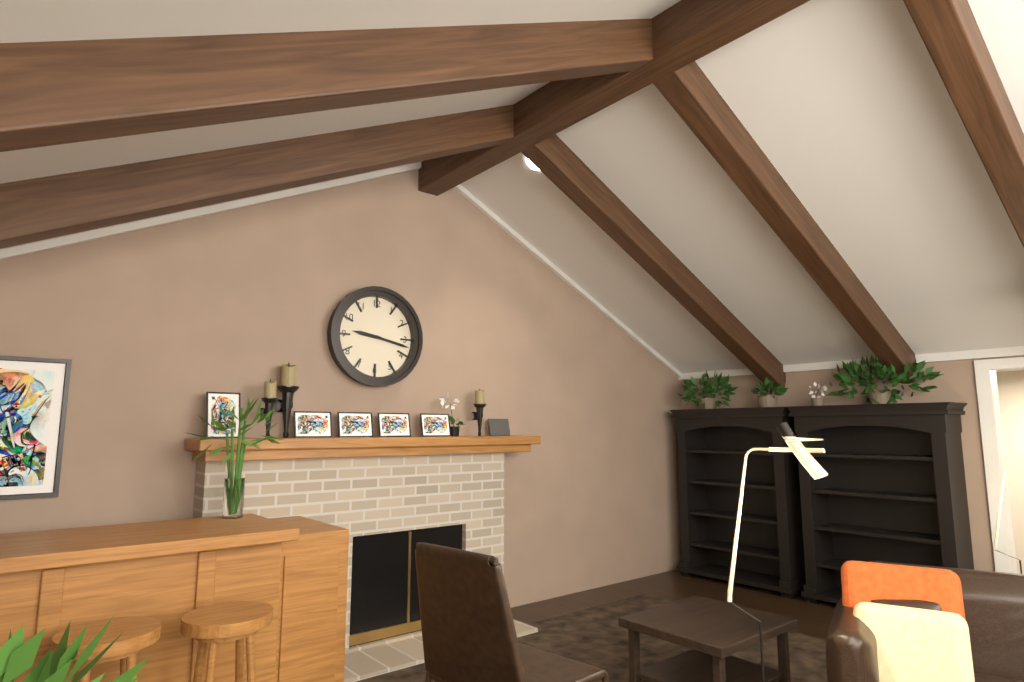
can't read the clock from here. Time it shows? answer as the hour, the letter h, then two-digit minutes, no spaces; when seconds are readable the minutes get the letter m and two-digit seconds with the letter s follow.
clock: 9h17
